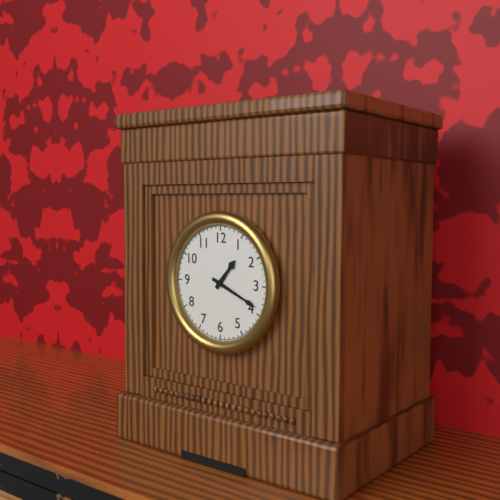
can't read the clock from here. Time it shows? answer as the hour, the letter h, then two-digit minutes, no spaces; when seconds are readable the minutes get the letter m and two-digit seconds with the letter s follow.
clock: 1h19
